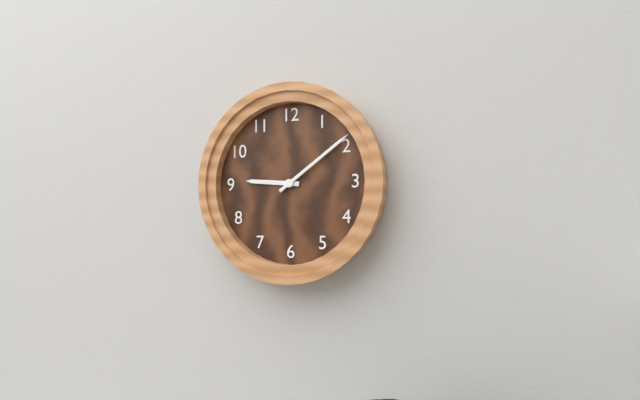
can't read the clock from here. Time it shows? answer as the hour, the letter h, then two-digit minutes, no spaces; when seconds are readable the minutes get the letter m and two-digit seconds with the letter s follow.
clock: 9h09
